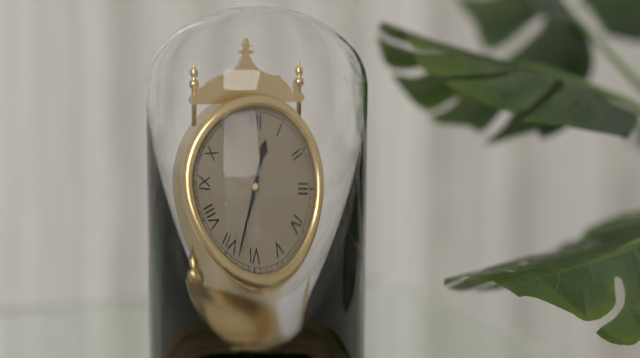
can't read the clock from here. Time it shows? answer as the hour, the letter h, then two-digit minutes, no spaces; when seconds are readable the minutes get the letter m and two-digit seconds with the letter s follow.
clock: 12h33
